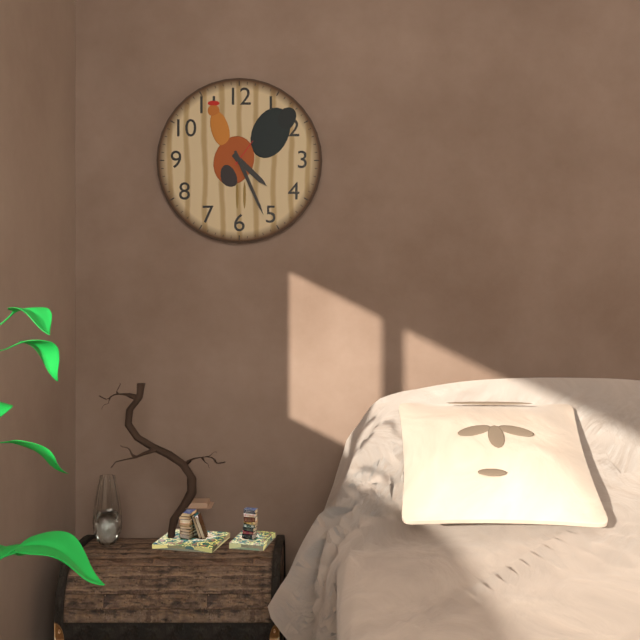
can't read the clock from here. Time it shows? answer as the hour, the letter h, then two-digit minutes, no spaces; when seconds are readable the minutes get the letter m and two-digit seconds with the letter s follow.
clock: 4h26
